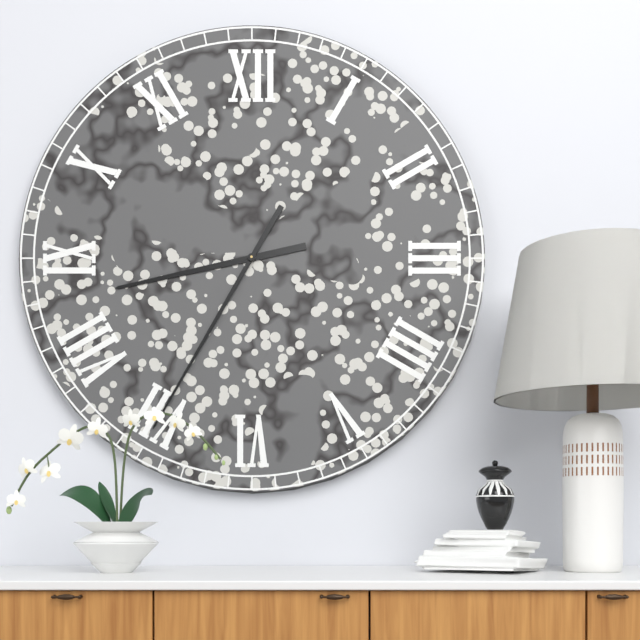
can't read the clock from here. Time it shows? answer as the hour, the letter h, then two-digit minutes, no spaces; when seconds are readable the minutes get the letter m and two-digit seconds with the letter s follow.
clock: 8h35
